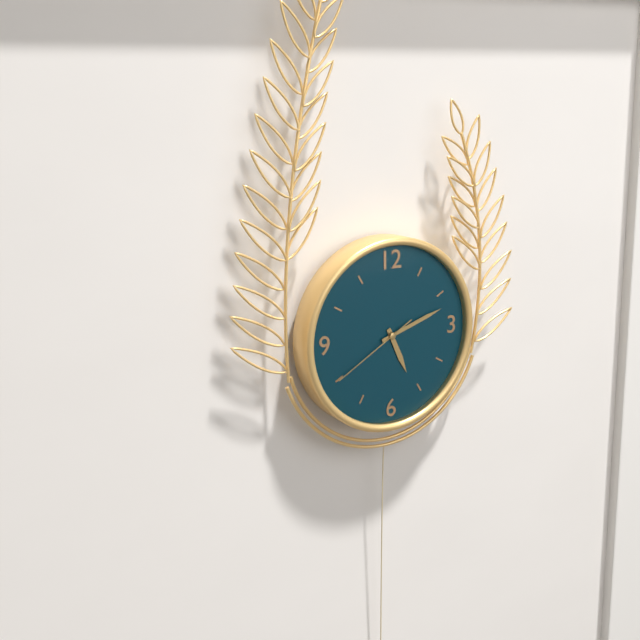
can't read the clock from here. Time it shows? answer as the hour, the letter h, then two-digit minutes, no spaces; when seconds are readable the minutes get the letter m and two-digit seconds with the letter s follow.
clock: 5h12m40s
